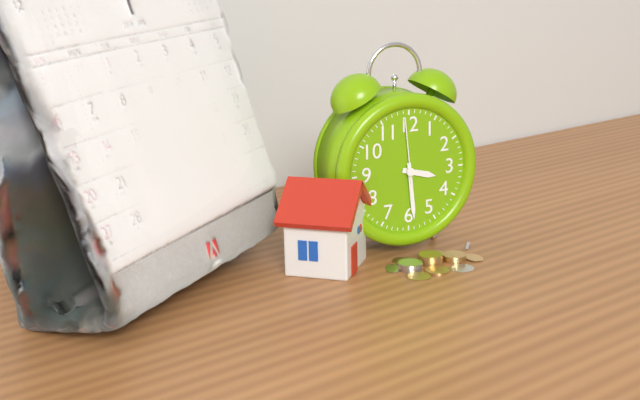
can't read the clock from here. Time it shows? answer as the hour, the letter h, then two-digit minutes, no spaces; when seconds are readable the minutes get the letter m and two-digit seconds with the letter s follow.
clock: 3h29m59s
